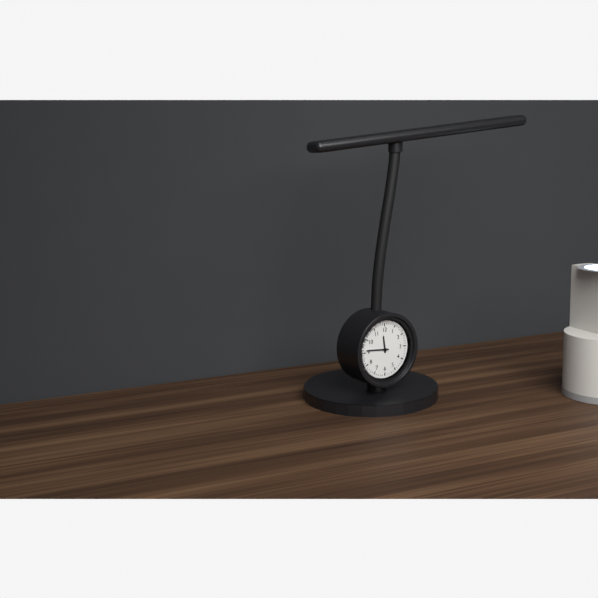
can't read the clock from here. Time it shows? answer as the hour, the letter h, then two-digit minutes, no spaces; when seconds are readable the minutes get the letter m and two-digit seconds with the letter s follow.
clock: 11h46
